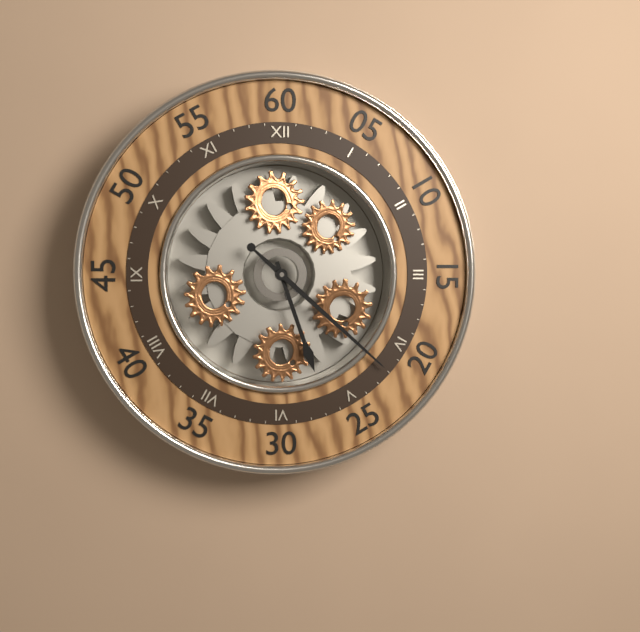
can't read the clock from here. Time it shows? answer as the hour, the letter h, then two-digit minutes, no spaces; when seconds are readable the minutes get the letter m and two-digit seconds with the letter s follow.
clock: 5h22
